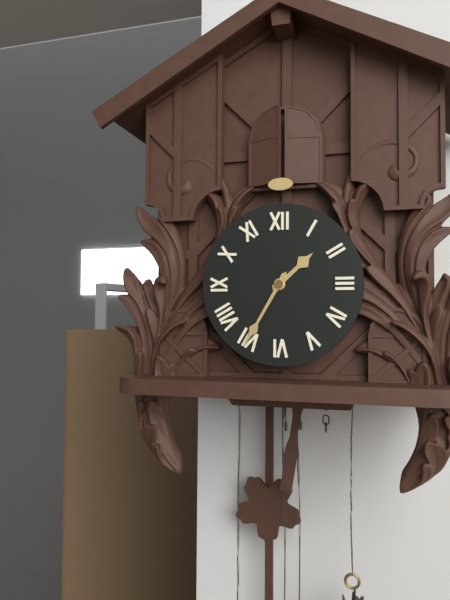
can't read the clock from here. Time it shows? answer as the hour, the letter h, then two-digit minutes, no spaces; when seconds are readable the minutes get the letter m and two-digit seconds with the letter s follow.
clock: 1h35
